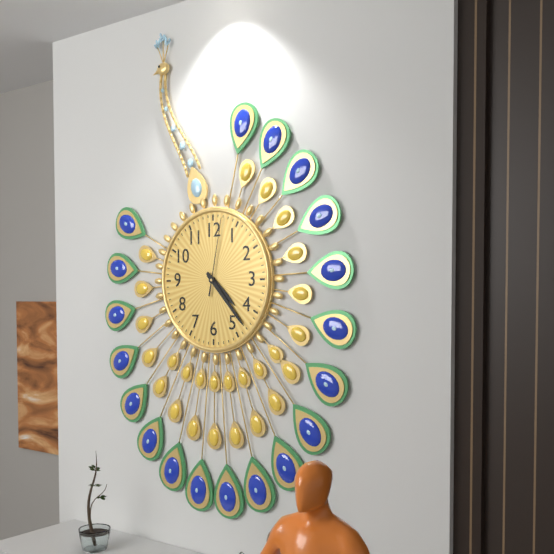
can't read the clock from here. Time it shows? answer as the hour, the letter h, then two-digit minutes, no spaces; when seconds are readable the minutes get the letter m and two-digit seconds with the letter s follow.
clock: 4h23m02s
